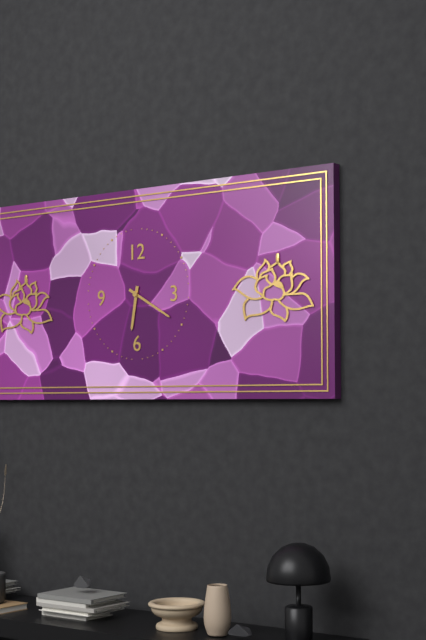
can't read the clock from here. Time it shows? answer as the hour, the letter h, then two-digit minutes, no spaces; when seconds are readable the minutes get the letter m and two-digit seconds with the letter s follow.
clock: 6h20
